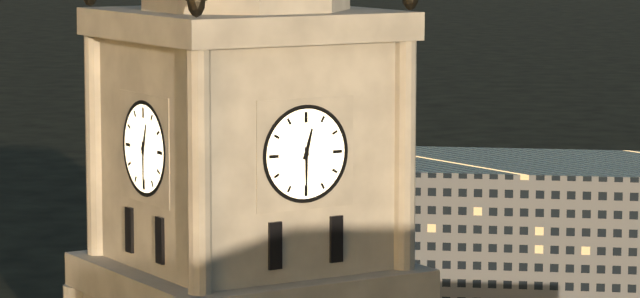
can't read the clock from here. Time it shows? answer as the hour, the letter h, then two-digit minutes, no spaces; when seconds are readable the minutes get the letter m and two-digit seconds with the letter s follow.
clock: 12h30
